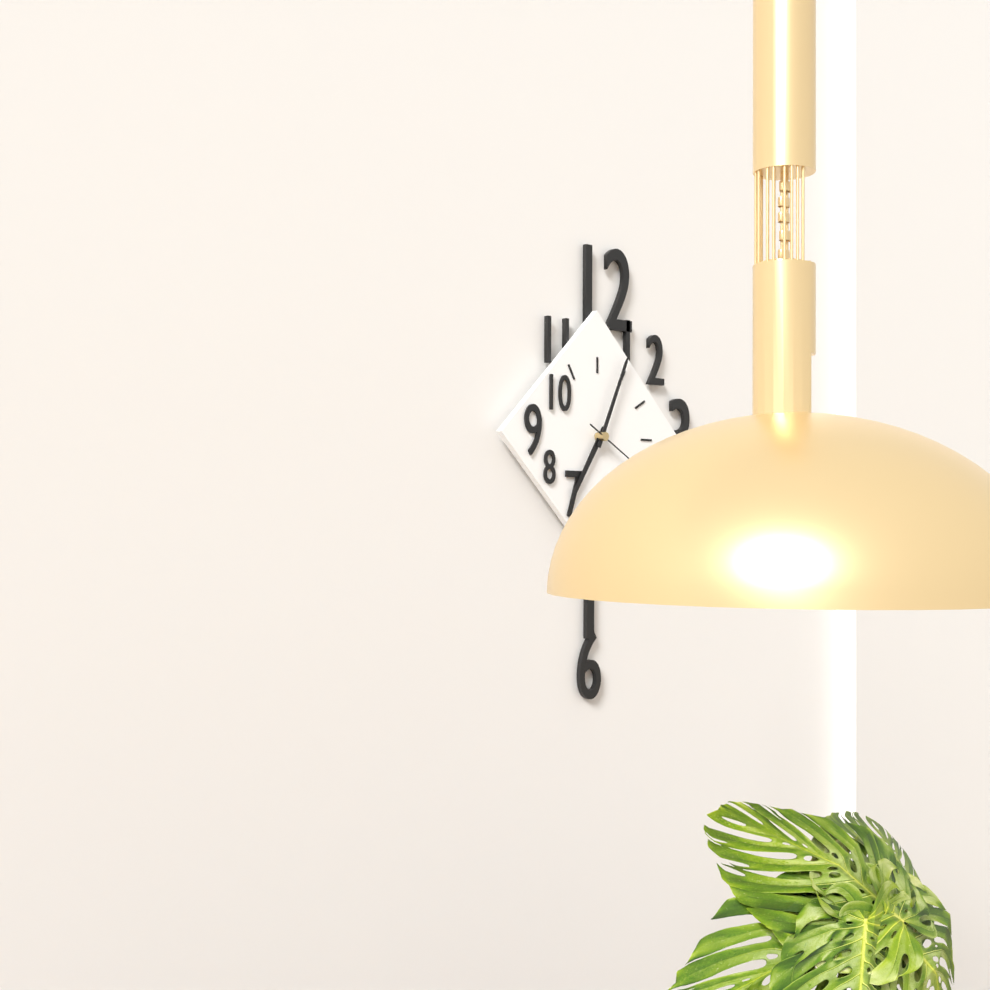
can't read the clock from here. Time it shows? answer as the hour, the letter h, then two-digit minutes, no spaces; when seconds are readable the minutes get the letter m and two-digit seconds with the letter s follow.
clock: 7h04
